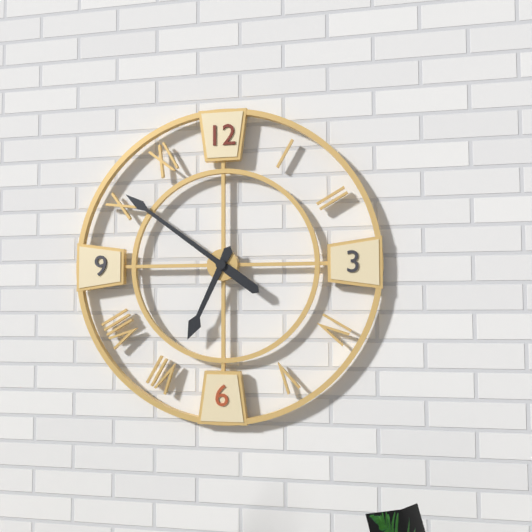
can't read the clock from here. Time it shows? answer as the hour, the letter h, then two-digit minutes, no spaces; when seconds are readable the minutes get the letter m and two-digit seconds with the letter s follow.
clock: 6h51
